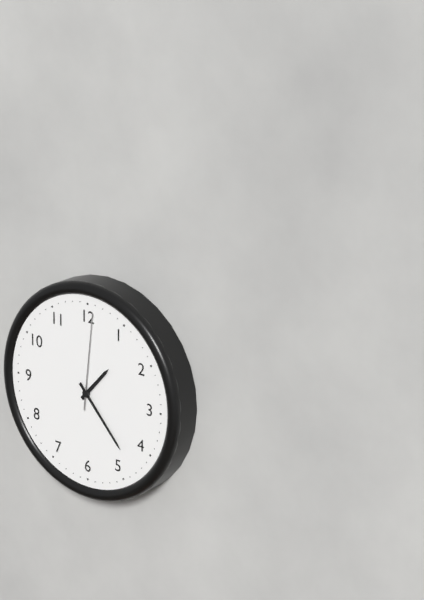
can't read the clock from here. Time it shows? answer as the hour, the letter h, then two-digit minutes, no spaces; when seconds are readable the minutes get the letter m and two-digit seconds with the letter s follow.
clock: 1h23m01s
